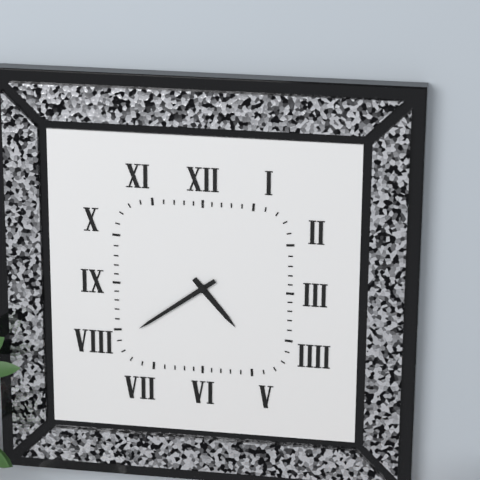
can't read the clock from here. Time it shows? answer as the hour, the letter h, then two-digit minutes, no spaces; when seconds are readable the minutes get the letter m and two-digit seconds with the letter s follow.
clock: 4h39
